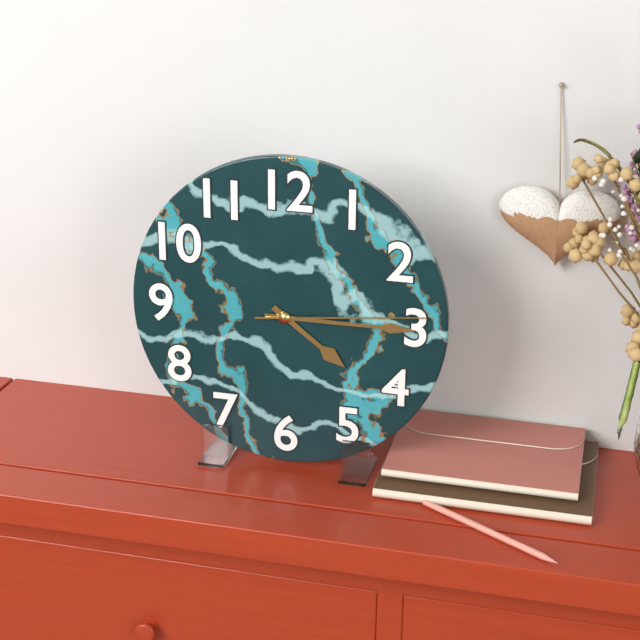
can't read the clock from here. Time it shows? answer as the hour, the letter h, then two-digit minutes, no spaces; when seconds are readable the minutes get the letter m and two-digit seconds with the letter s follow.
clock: 4h15m14s
